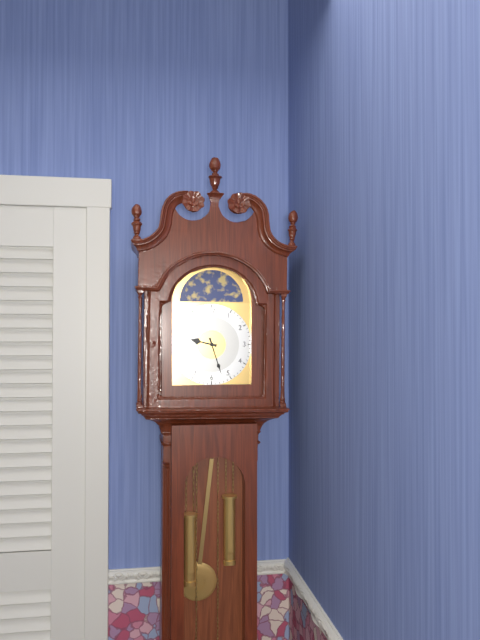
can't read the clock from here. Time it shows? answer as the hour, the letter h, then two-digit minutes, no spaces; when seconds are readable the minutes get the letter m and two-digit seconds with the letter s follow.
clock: 9h27
